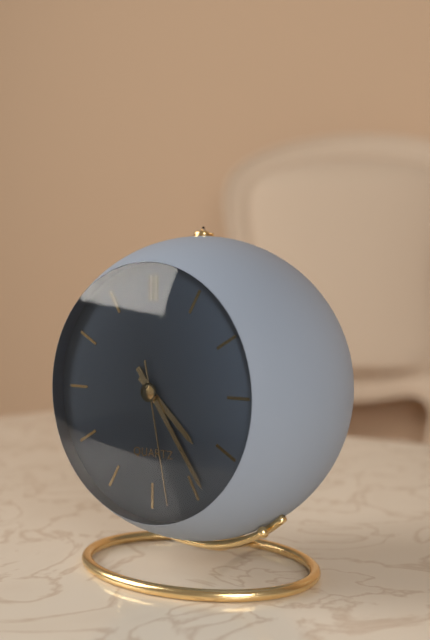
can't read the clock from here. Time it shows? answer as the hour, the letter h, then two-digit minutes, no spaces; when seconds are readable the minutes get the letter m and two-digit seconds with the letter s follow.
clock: 4h24m28s
